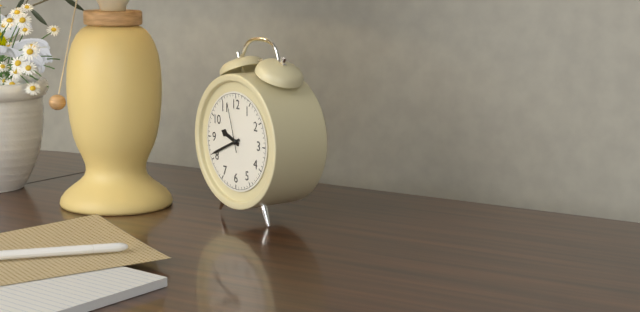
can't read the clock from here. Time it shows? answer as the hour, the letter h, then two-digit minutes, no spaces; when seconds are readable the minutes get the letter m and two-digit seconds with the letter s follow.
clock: 9h41m57s
